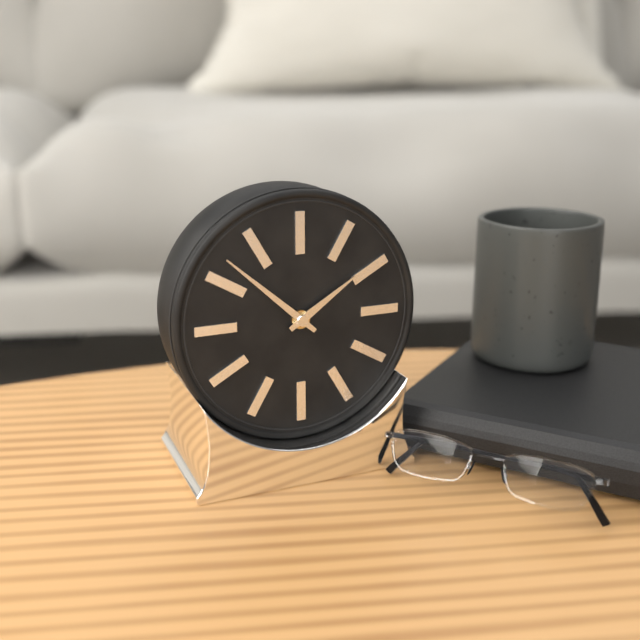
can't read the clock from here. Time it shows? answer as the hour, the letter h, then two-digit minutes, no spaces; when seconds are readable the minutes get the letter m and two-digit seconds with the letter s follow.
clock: 1h52
